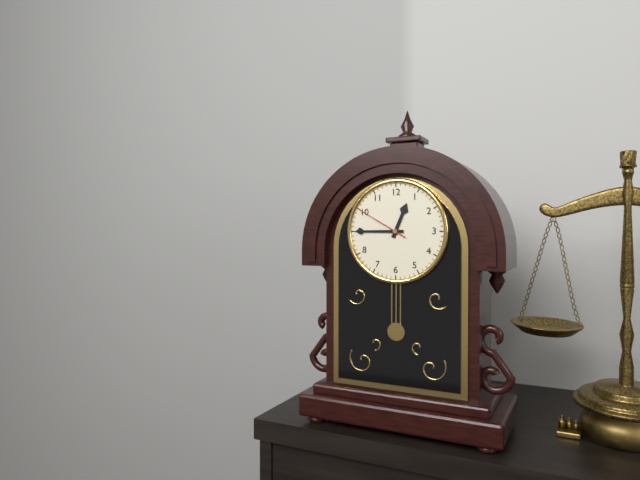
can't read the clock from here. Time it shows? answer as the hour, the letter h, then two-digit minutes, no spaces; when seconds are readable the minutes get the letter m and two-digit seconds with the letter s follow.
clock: 12h45m50s
